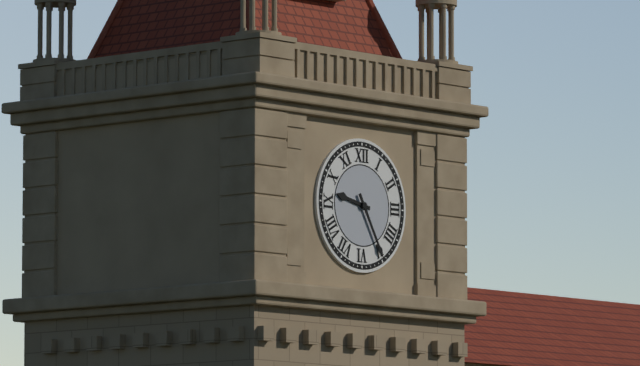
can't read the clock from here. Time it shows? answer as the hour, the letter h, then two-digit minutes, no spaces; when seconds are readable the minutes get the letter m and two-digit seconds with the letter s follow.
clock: 9h25
